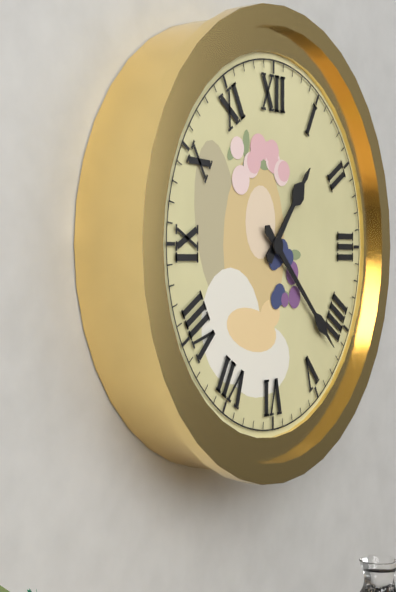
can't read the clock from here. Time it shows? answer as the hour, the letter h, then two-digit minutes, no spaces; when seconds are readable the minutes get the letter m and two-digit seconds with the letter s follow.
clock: 1h22
